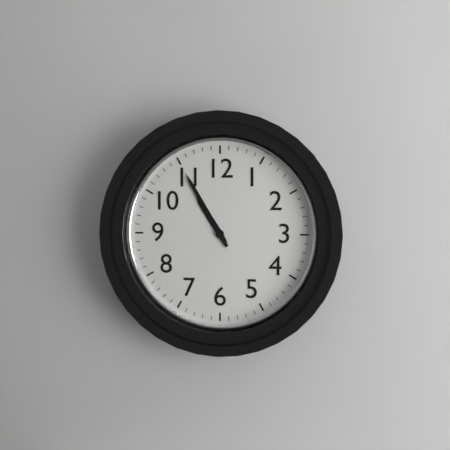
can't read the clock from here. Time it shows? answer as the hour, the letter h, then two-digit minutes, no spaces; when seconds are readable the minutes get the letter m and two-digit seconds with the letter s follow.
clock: 10h55
